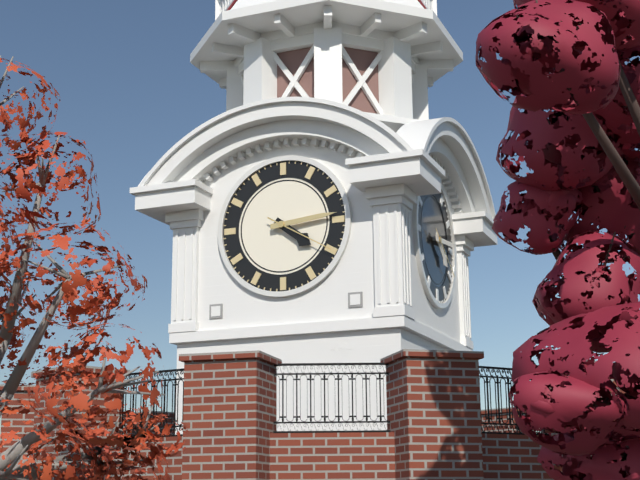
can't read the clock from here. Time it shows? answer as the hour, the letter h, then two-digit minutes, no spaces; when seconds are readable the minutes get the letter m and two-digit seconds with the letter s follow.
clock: 4h14m20s
